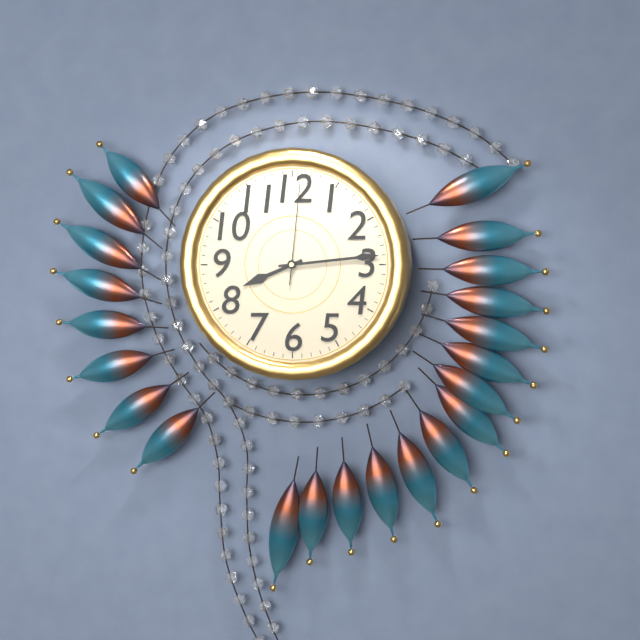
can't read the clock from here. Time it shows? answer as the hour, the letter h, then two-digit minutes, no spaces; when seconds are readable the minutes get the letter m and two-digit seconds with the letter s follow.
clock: 8h14m01s
